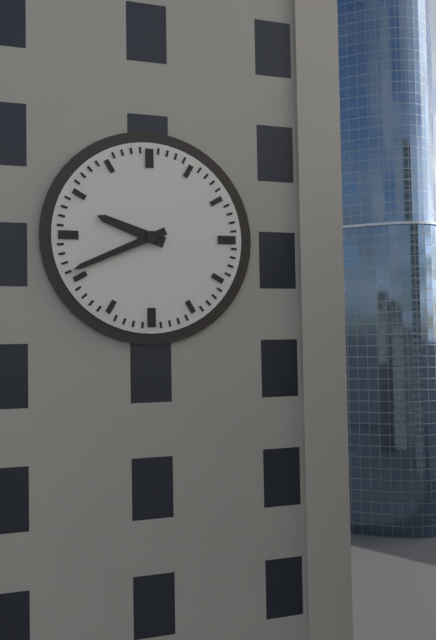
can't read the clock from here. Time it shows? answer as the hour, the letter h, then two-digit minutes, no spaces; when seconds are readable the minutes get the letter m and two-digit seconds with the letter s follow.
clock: 9h41
